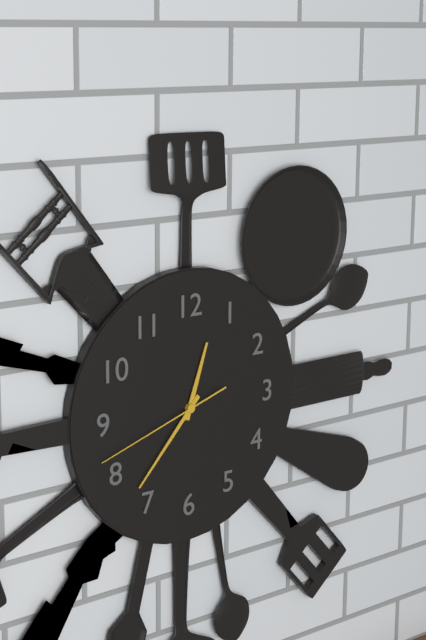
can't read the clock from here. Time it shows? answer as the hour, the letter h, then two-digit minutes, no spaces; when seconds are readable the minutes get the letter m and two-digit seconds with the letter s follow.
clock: 12h37m42s
